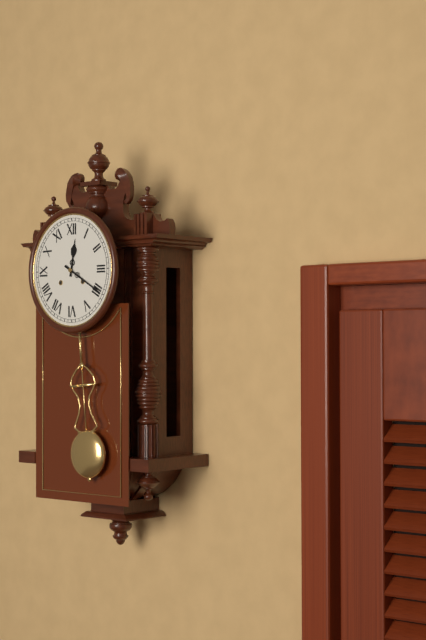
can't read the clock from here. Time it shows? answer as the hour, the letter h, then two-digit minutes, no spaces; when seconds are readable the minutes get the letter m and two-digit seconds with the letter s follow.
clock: 12h20
